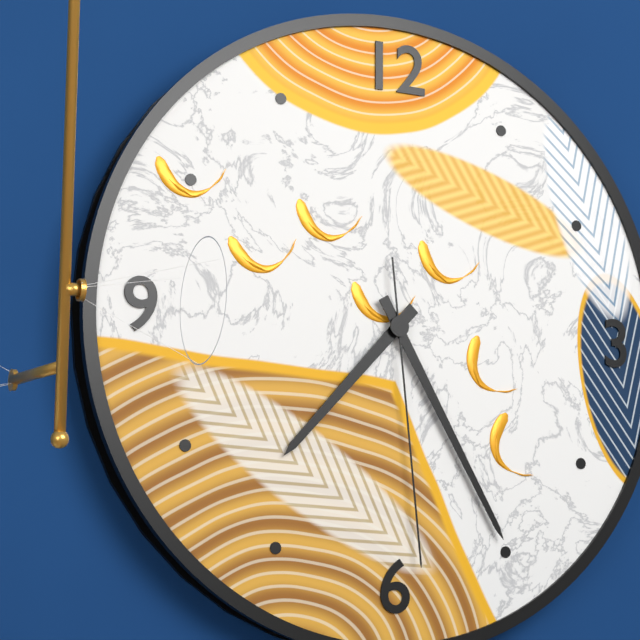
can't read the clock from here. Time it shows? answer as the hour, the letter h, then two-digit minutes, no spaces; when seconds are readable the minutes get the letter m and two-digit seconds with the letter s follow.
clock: 7h25m29s
